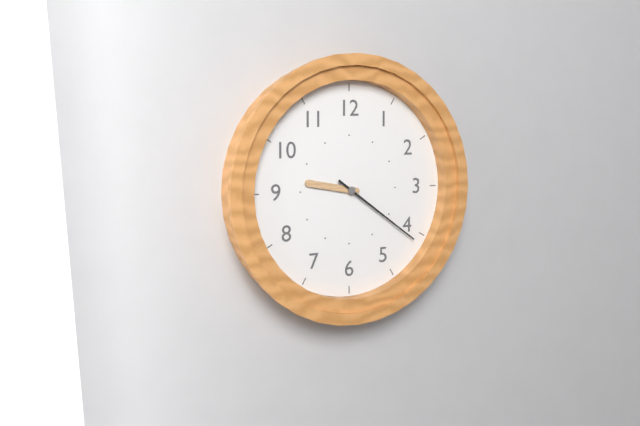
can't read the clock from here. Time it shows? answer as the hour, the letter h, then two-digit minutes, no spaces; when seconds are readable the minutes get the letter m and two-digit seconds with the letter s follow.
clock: 9h21
